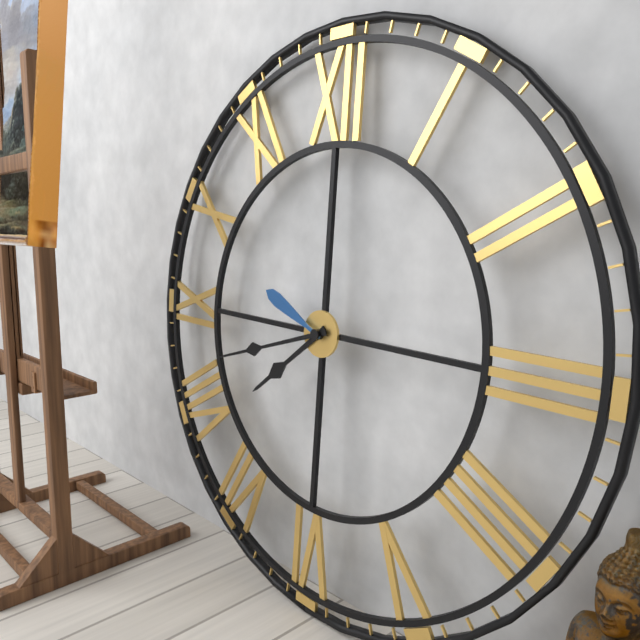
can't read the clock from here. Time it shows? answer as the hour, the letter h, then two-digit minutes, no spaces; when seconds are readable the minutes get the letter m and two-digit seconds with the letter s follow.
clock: 7h42m49s
